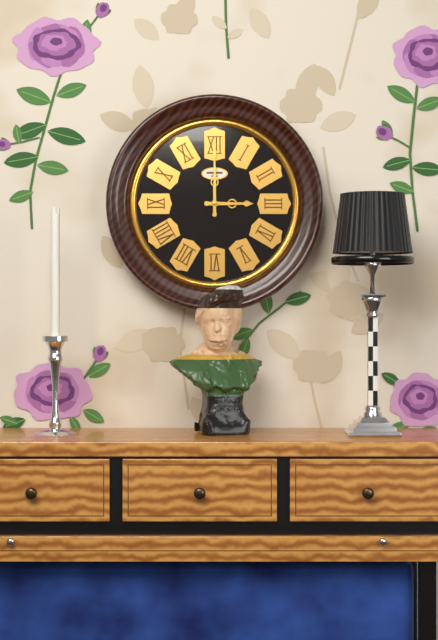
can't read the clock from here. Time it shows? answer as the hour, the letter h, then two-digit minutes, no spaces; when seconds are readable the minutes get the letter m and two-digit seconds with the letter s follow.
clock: 3h00
